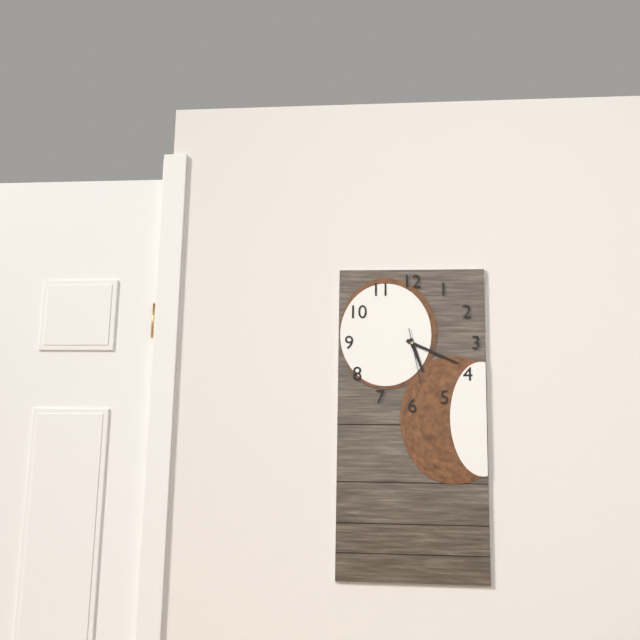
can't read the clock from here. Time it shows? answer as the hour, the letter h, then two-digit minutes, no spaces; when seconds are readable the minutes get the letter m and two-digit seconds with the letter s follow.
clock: 5h19m28s
